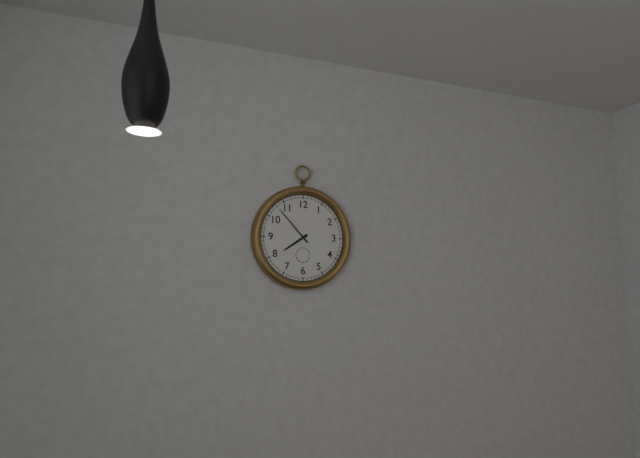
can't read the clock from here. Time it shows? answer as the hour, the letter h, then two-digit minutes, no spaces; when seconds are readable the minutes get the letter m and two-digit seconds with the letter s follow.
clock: 7h53
